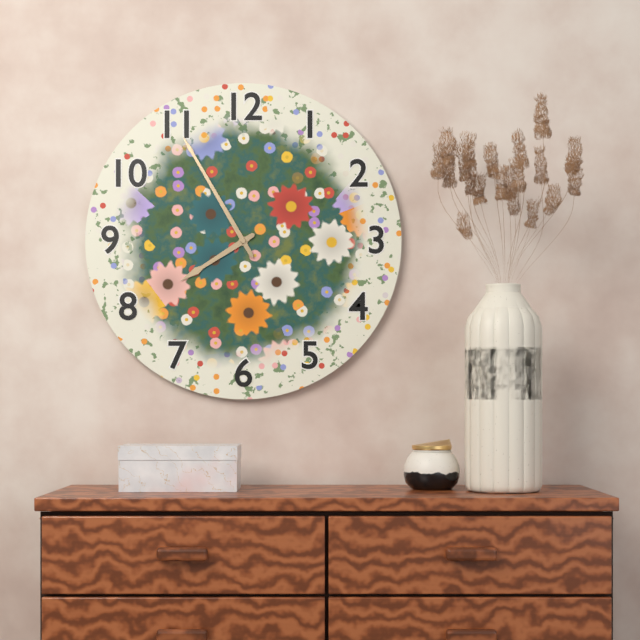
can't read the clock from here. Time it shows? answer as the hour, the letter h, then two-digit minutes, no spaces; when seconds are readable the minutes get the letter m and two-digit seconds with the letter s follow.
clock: 7h55
